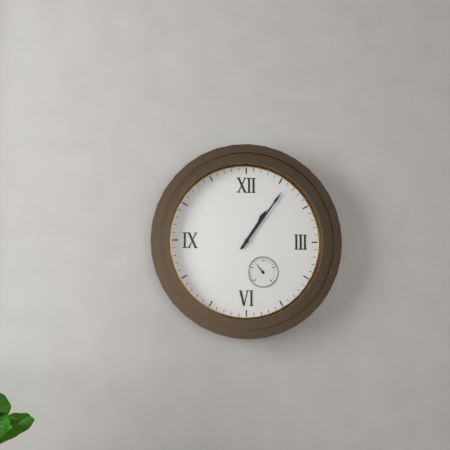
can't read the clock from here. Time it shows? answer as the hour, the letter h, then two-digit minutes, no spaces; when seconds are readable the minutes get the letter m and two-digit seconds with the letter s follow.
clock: 1h06
